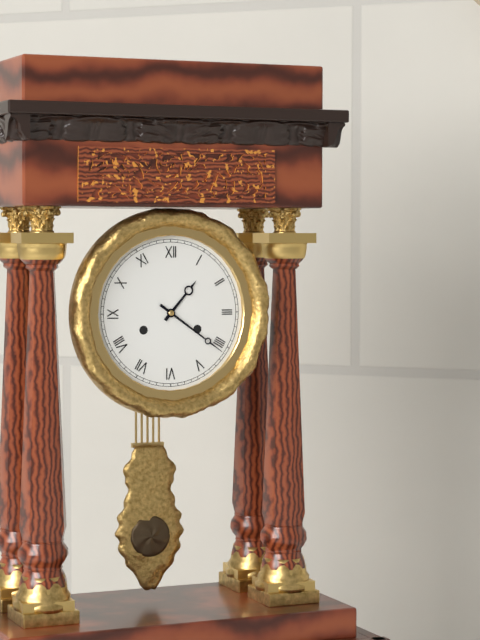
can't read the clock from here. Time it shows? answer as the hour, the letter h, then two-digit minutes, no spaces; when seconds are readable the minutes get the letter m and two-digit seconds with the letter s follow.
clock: 1h21
